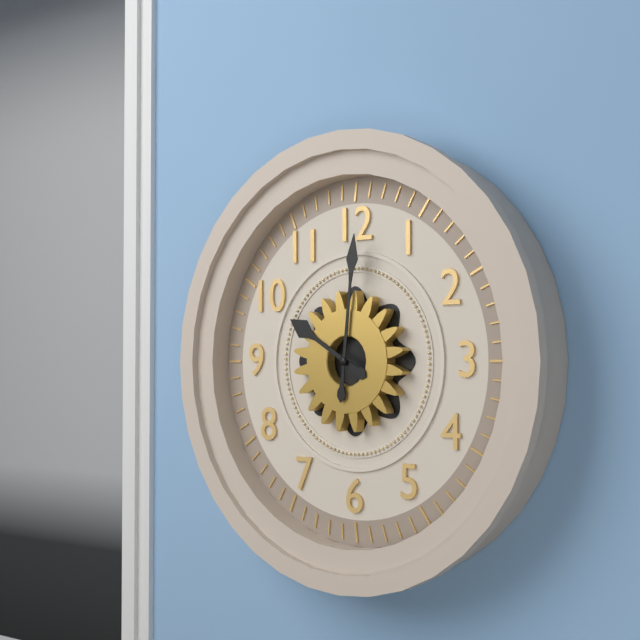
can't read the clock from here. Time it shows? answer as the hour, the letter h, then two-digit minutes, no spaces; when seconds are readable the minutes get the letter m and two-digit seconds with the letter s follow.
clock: 10h01
